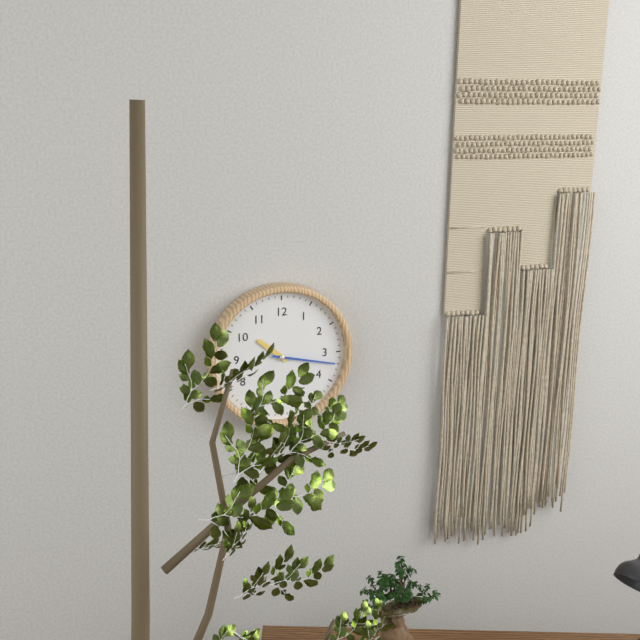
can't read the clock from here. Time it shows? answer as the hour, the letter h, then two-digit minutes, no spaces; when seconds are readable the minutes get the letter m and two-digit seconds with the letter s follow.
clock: 10h17
